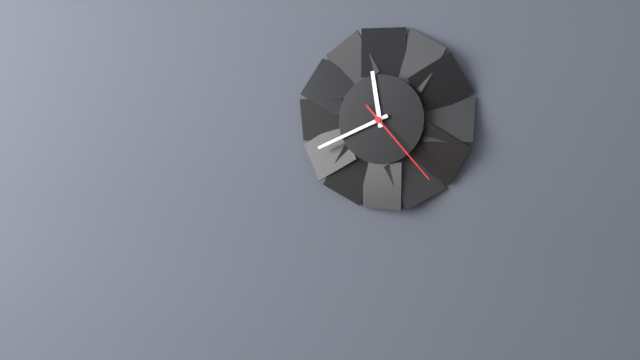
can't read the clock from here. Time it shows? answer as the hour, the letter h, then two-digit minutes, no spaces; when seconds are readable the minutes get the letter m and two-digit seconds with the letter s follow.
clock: 11h41m23s
